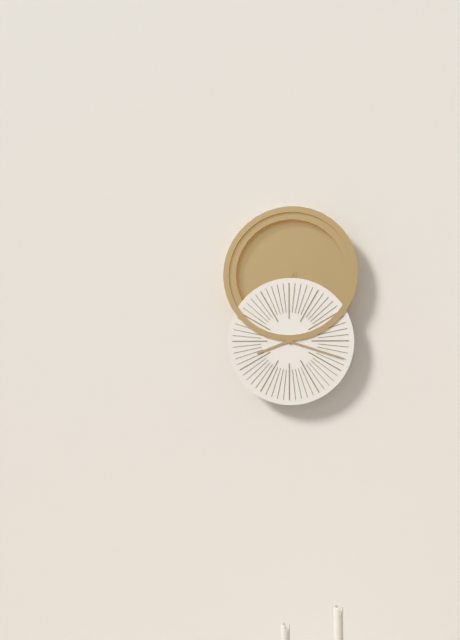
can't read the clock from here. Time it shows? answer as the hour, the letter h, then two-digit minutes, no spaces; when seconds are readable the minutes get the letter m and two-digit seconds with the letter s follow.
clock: 8h18
